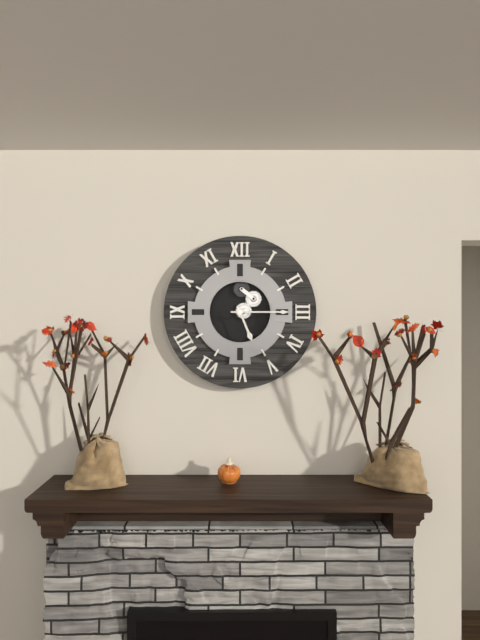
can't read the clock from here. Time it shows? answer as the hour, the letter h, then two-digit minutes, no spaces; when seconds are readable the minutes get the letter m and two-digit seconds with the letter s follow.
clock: 5h15
